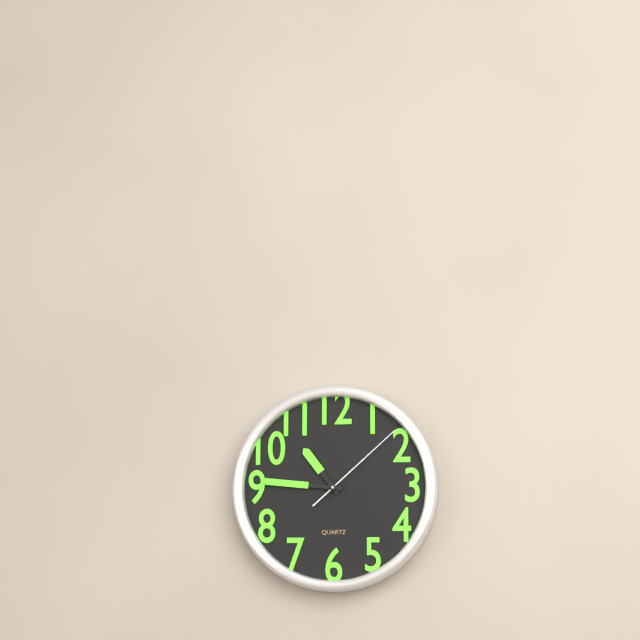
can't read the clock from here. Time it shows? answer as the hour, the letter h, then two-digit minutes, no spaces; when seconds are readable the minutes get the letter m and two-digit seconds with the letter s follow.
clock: 10h46m08s
